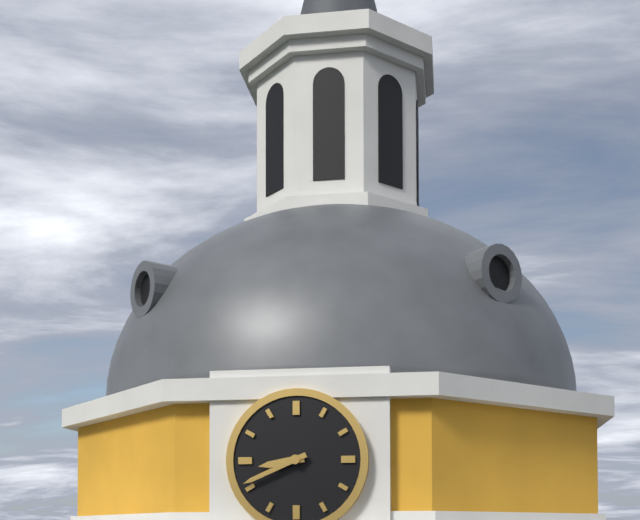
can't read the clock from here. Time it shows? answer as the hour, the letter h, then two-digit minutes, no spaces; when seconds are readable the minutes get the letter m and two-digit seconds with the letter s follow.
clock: 8h41
